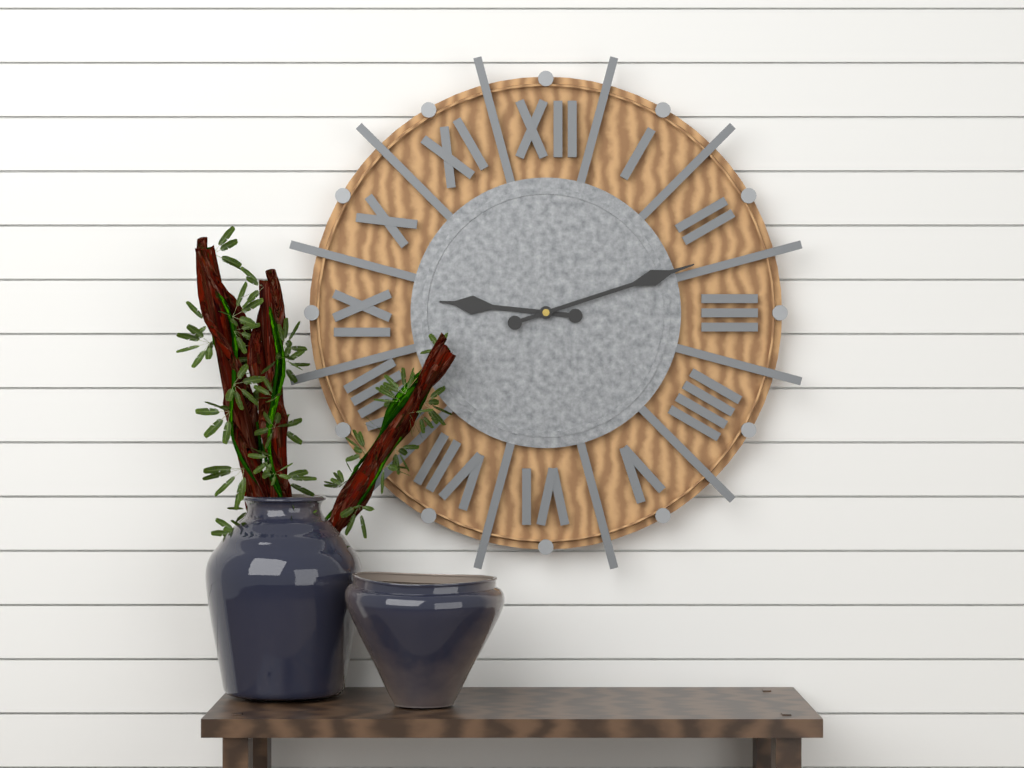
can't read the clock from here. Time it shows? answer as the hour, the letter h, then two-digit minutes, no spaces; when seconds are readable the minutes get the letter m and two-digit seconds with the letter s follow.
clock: 9h12
